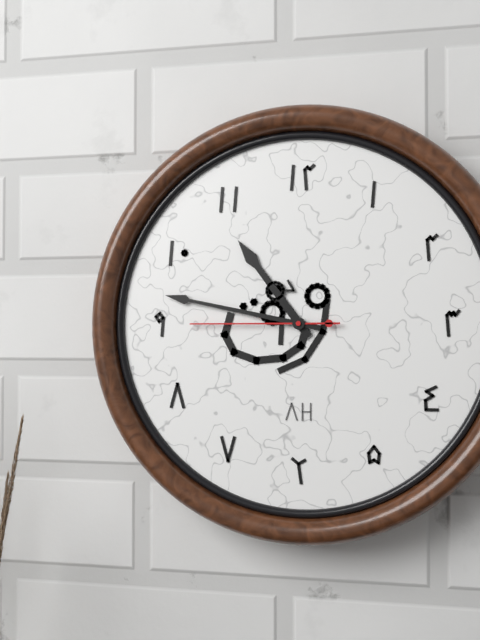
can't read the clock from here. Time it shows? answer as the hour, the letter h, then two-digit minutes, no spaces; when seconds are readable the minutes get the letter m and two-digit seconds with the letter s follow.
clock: 10h47m45s
